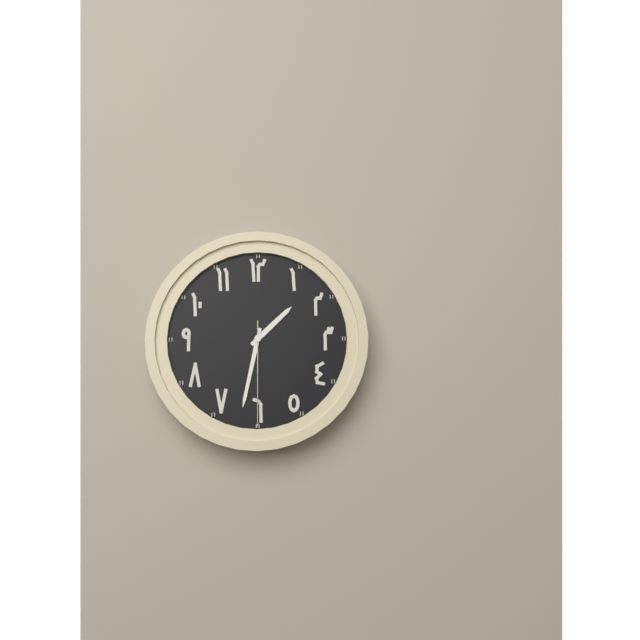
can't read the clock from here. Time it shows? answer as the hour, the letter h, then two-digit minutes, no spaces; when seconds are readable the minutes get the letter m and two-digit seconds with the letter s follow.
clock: 1h32m30s
